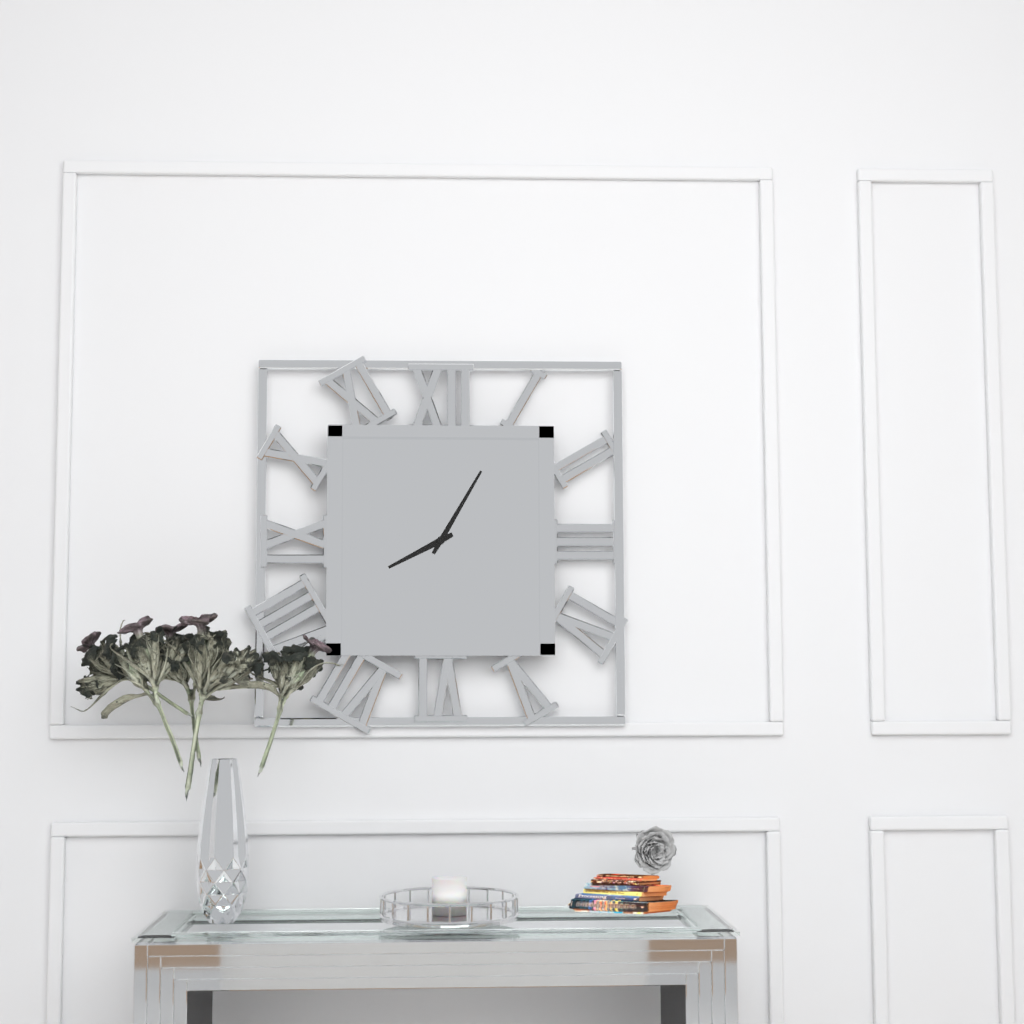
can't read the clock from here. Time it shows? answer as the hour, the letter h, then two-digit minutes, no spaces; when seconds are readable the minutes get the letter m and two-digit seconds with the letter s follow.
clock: 8h05
